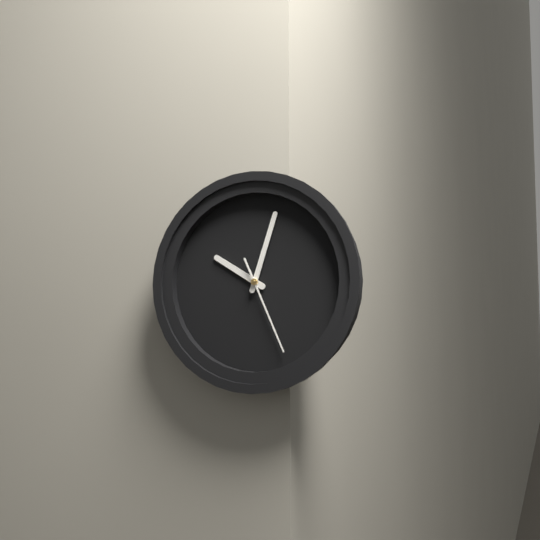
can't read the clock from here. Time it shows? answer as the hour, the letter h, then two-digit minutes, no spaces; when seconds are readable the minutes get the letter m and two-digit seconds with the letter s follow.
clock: 10h03m26s
